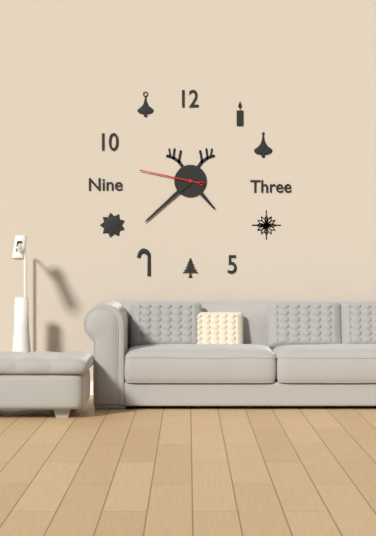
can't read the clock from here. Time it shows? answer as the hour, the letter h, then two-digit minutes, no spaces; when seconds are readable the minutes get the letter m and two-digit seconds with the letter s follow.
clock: 4h38m47s
